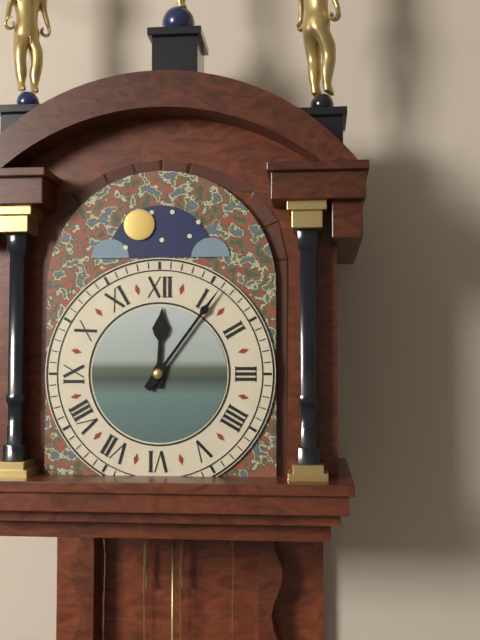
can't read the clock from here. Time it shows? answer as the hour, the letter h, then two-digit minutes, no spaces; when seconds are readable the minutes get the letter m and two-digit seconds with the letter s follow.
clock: 12h06
